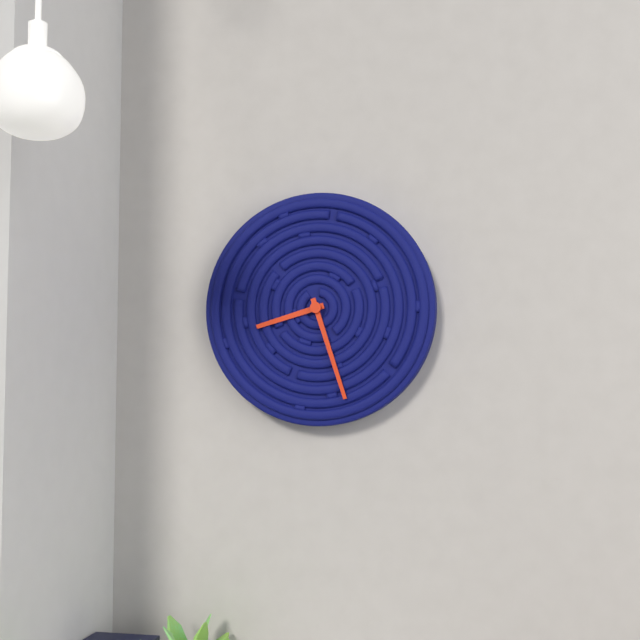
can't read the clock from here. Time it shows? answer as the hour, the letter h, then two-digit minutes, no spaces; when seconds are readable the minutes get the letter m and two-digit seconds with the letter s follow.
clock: 8h27
